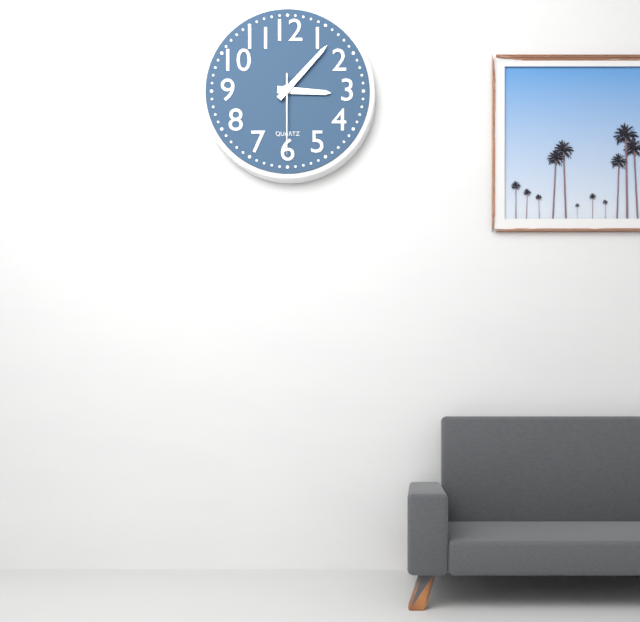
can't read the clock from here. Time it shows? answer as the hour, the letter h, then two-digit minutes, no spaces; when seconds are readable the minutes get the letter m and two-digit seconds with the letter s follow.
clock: 3h07m30s
